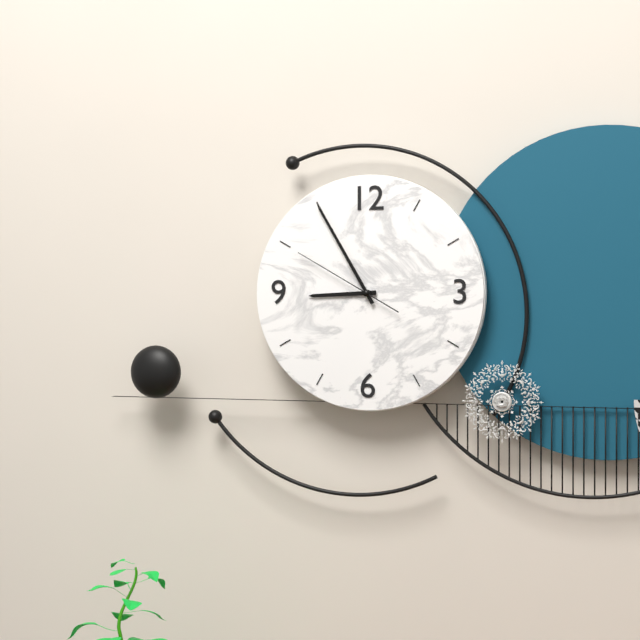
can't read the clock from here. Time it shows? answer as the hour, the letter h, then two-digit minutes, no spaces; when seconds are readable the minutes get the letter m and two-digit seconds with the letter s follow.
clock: 8h55m50s
